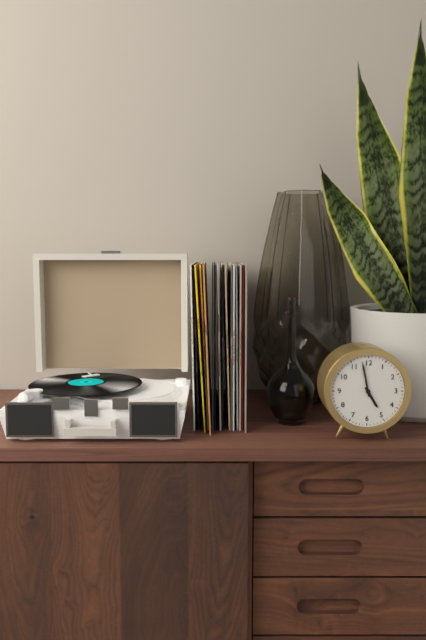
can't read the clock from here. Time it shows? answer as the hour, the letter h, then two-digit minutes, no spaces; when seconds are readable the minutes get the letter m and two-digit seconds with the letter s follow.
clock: 4h58
